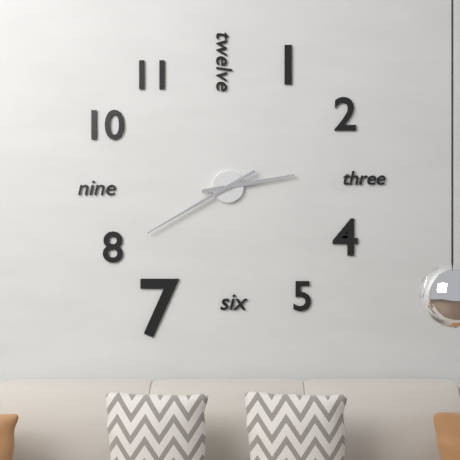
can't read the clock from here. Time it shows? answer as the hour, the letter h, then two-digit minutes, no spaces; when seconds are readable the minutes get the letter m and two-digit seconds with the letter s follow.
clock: 2h40
